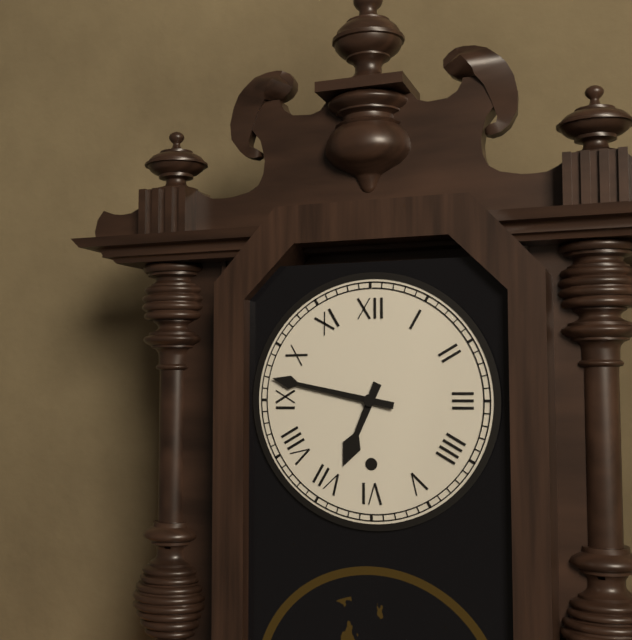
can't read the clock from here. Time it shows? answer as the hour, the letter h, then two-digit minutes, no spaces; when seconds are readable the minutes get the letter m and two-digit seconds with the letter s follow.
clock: 6h47
